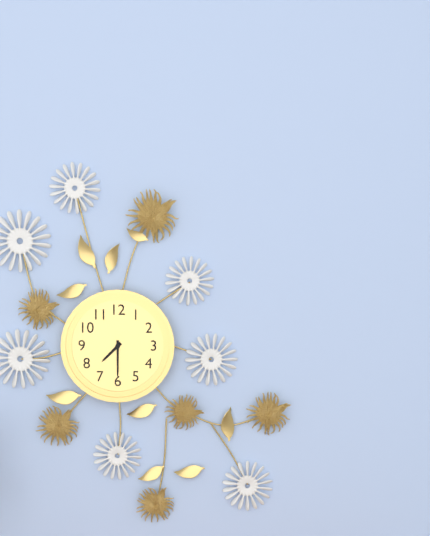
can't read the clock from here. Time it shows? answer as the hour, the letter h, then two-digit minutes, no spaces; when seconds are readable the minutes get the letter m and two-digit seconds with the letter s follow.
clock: 7h30
